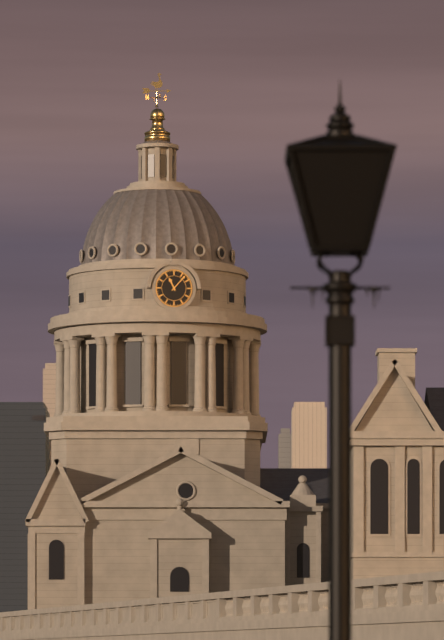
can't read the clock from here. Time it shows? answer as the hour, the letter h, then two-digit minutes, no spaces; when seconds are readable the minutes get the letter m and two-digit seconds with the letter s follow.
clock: 11h07
